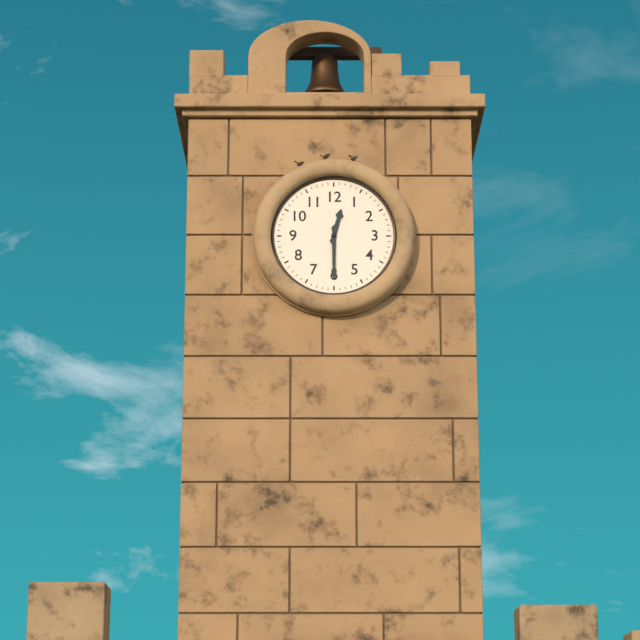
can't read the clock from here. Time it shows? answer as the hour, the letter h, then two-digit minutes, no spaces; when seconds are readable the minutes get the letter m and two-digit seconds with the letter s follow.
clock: 12h30
